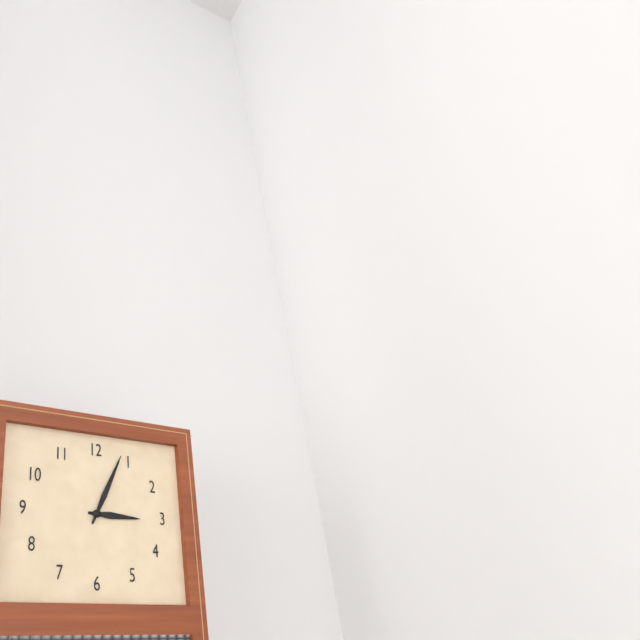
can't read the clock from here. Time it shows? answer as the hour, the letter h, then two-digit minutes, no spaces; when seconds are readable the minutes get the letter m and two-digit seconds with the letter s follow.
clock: 3h04
